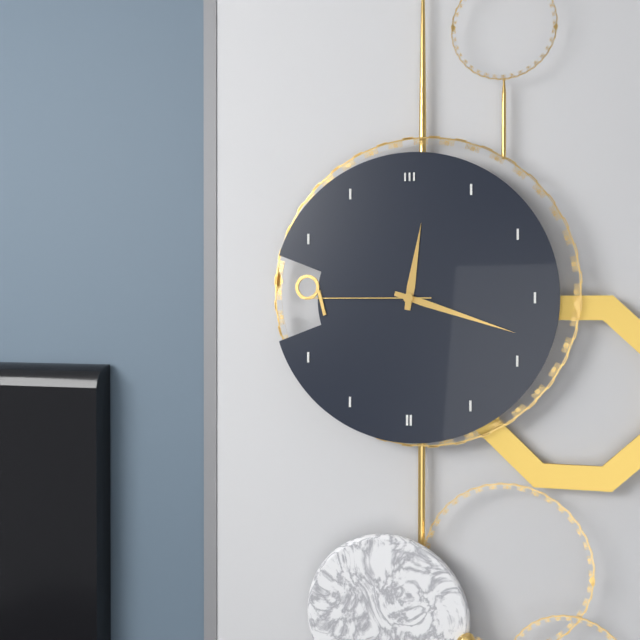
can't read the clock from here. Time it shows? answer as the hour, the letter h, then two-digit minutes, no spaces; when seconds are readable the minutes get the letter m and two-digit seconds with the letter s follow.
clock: 12h18m45s
